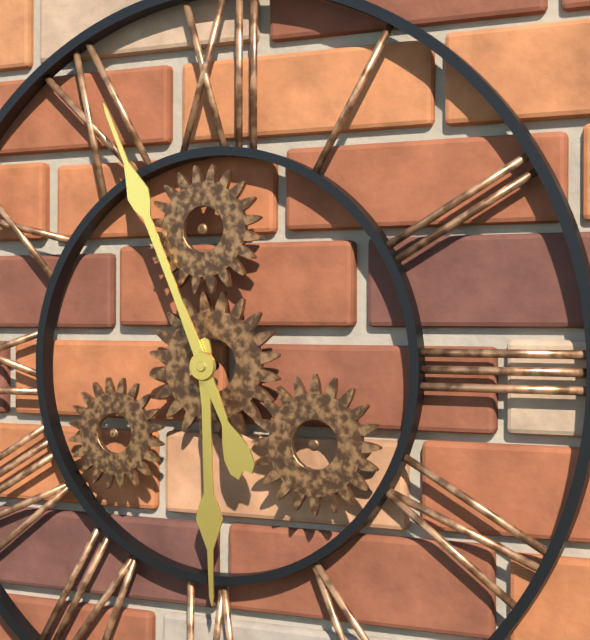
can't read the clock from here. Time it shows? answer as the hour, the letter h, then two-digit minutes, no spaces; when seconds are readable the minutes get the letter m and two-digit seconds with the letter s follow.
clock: 5h56
